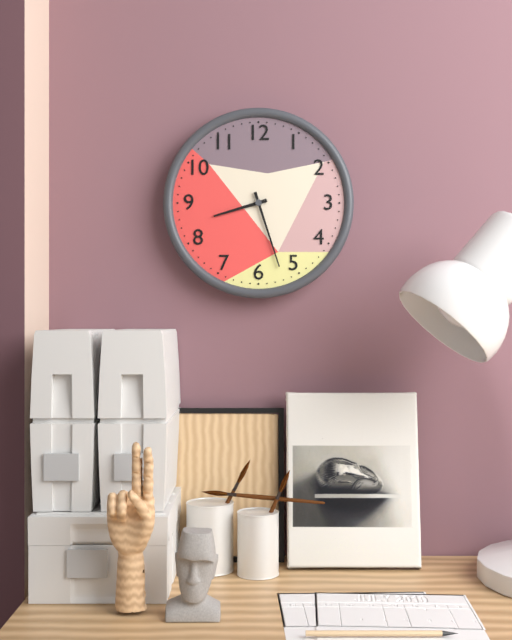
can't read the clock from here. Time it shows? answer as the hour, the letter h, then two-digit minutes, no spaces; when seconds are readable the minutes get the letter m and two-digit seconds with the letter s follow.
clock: 8h27
